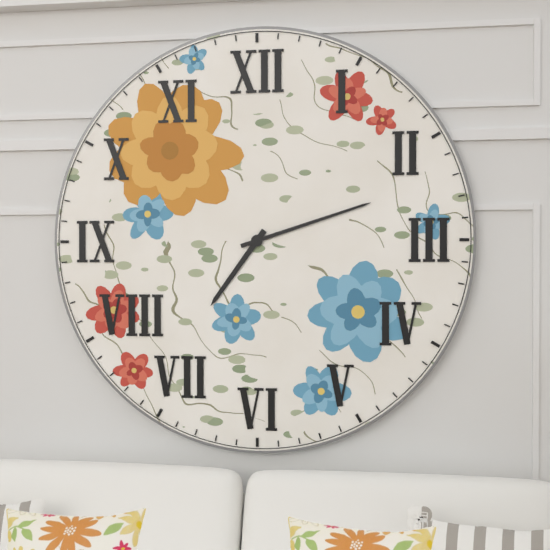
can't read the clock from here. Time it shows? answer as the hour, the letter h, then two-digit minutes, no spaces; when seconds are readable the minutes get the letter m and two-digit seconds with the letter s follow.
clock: 7h12
